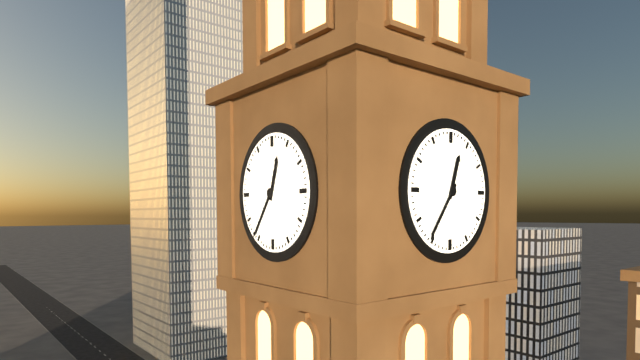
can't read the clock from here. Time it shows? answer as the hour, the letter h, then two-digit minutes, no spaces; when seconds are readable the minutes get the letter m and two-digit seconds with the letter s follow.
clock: 12h36
